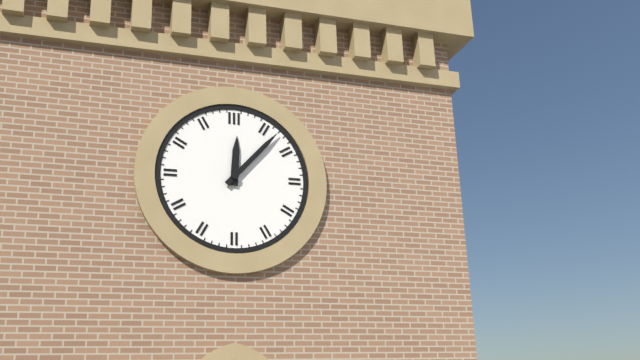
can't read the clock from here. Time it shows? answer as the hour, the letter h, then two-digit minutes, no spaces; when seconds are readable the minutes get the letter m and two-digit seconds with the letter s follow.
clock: 12h07
